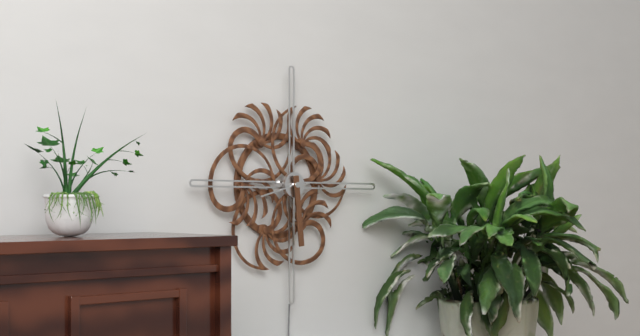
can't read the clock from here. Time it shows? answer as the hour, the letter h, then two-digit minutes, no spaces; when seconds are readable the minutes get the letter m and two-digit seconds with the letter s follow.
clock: 8h29
